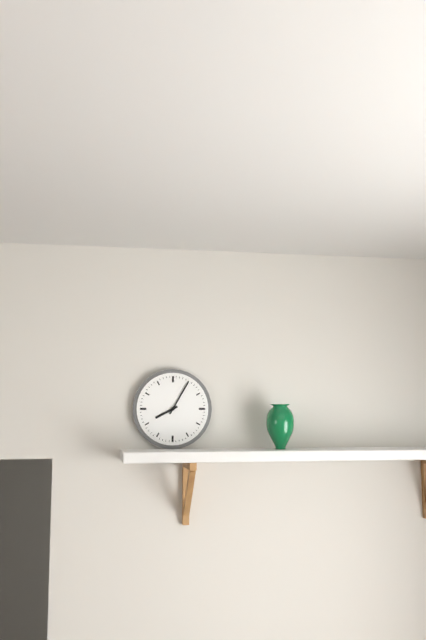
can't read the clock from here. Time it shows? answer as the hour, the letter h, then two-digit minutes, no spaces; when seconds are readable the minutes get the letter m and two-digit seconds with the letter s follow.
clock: 8h05
